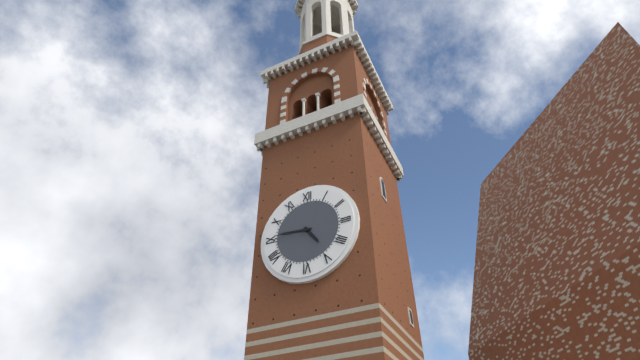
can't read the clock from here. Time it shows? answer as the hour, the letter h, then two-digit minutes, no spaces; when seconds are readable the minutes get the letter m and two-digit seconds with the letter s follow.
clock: 4h46
